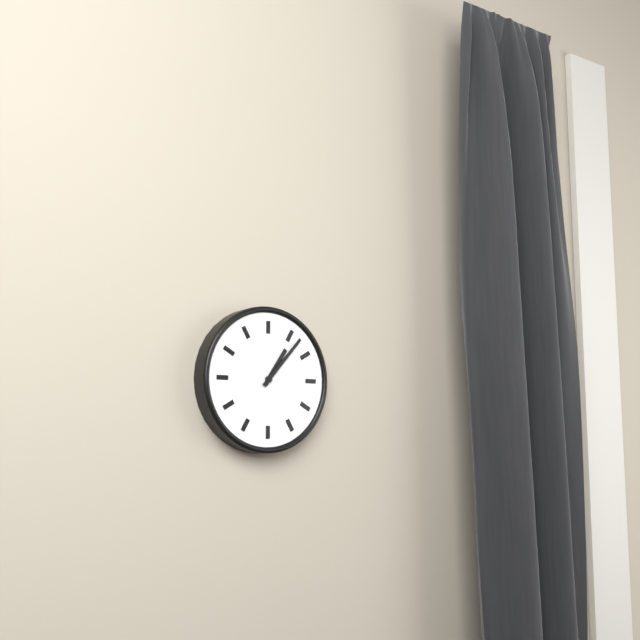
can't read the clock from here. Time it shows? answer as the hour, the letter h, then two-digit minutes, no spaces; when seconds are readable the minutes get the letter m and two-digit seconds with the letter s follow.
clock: 1h07
